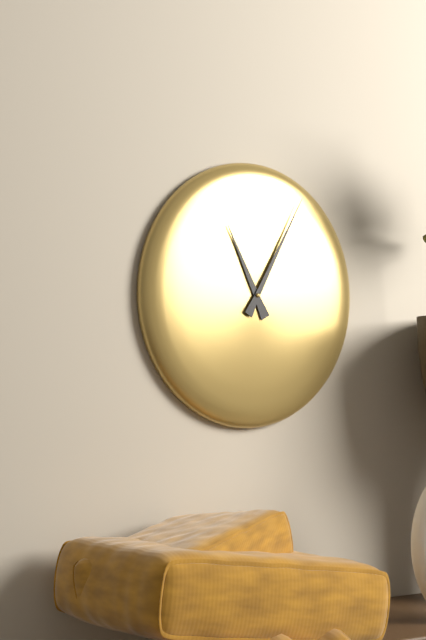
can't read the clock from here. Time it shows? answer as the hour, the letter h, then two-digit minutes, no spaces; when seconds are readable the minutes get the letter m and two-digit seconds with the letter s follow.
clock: 11h05
